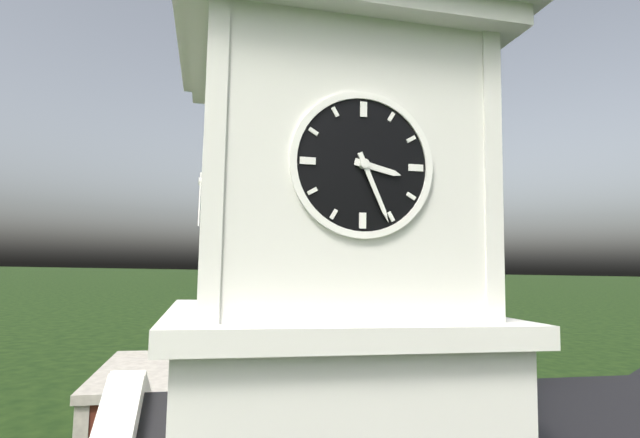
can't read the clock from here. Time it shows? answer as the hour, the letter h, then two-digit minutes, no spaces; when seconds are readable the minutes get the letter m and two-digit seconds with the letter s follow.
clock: 3h26
